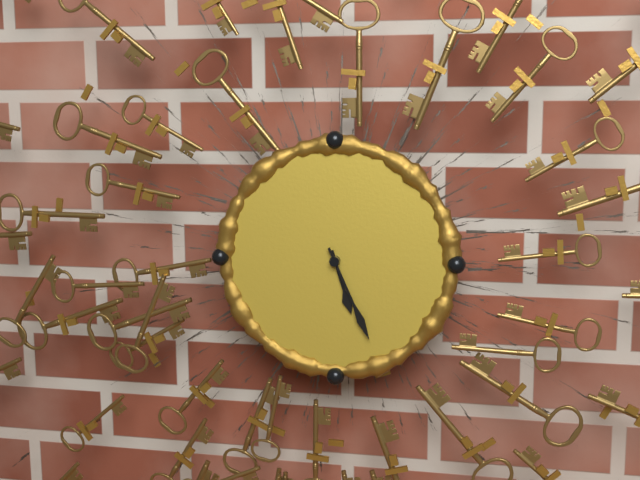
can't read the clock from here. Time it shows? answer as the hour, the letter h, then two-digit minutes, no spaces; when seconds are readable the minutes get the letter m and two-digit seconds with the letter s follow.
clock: 5h26
